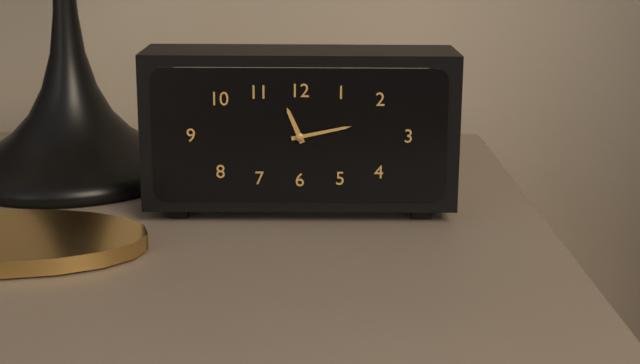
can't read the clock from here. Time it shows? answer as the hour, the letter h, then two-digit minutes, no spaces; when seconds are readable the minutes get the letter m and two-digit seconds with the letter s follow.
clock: 11h13
